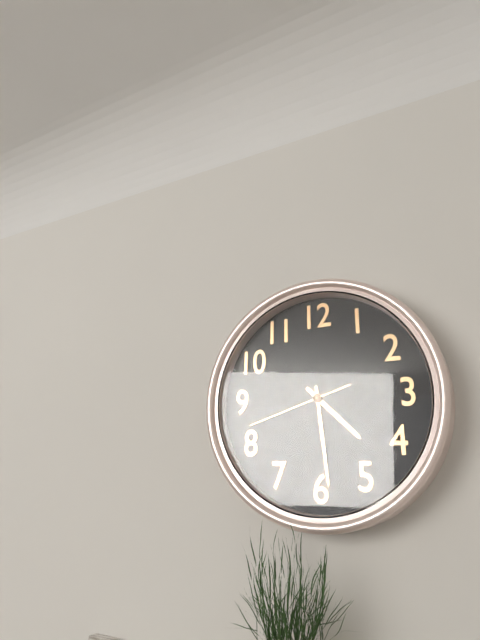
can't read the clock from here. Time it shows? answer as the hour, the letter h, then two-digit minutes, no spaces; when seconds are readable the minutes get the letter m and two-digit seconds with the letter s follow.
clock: 4h29m42s
